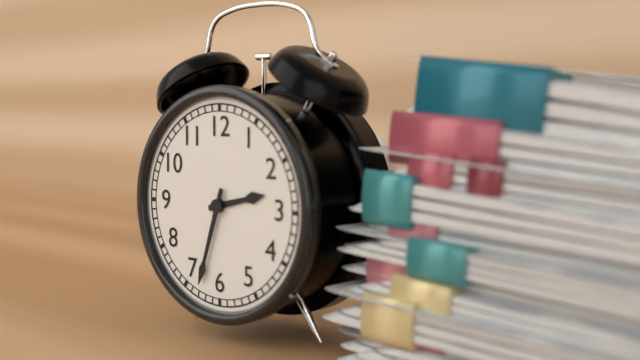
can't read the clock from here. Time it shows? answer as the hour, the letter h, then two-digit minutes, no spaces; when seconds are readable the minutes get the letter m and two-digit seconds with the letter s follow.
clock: 2h33
